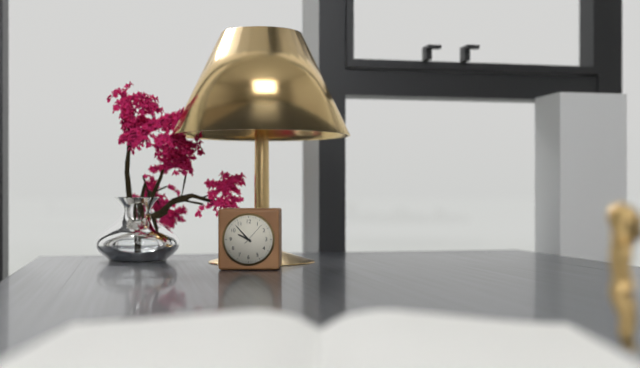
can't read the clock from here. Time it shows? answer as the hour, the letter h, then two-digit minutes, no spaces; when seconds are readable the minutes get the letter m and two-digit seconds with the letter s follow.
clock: 9h53
